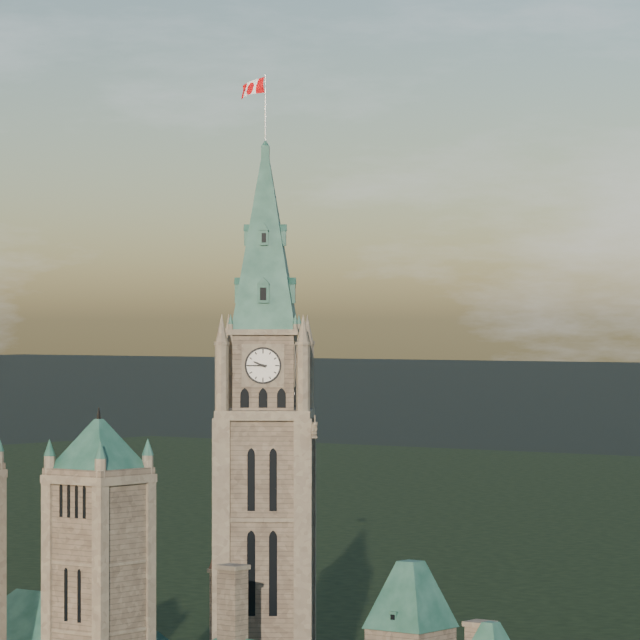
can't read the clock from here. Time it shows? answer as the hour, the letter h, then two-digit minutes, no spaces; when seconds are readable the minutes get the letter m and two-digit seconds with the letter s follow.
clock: 9h45
